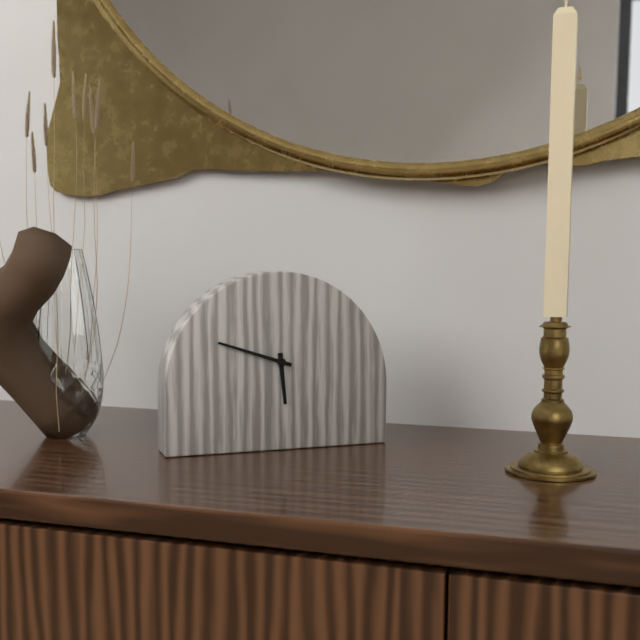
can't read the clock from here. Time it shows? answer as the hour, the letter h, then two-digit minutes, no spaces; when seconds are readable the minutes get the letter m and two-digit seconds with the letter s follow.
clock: 5h48
